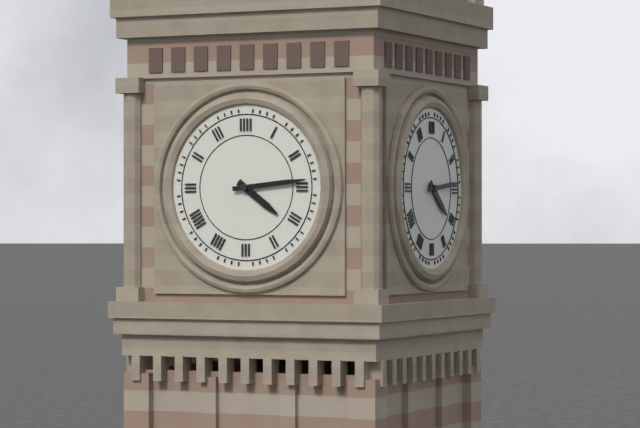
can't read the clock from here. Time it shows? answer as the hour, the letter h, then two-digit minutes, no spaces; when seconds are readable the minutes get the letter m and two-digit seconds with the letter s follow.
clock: 4h14
